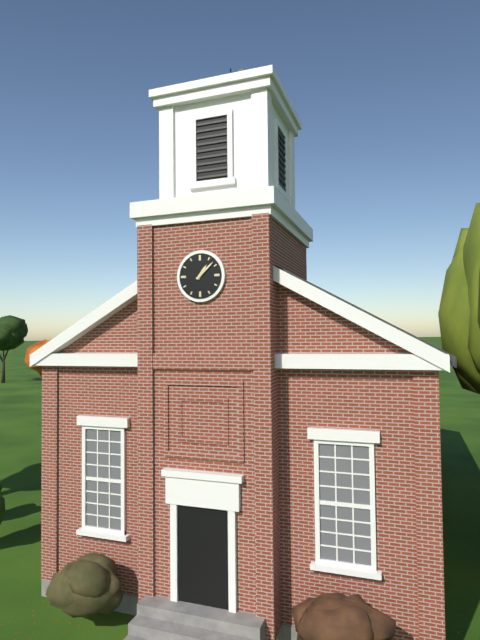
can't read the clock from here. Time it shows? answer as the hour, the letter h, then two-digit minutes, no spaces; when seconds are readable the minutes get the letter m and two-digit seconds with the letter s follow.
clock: 1h08
